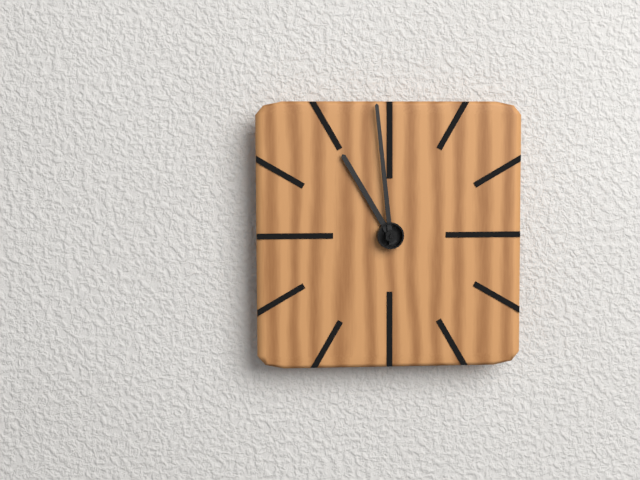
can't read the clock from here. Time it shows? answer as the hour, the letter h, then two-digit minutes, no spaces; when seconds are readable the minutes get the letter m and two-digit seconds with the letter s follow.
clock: 10h59
